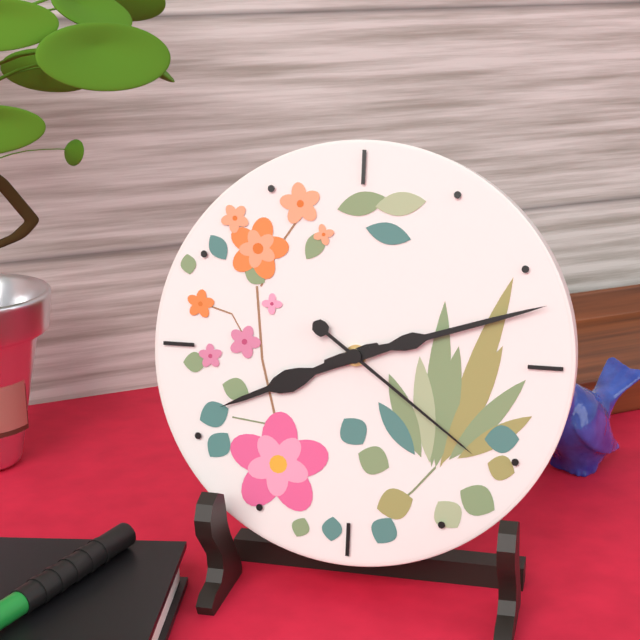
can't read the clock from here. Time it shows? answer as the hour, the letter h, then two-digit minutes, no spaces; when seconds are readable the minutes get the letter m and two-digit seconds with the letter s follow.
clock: 8h12m21s
